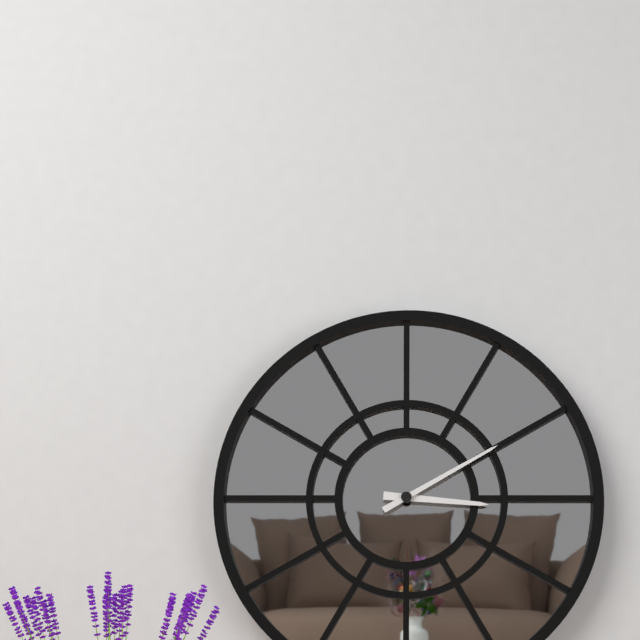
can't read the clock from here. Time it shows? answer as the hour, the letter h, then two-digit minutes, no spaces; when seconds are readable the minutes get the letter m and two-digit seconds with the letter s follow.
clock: 3h10
